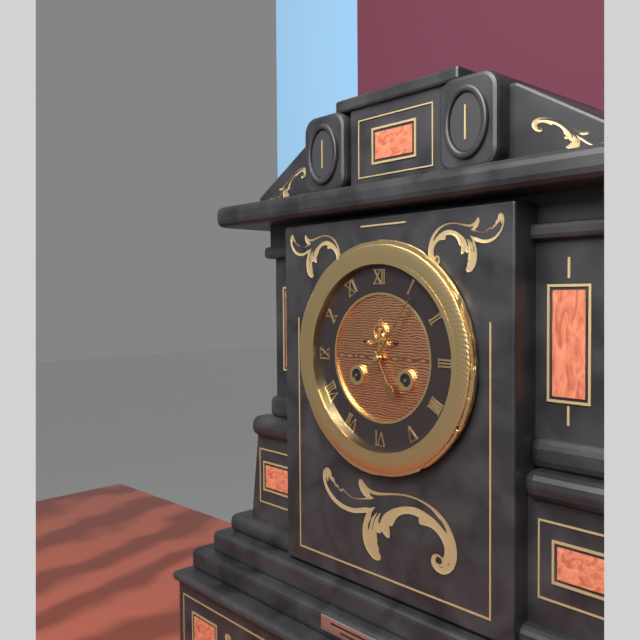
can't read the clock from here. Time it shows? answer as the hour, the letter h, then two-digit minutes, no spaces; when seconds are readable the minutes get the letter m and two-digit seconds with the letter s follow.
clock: 5h06
